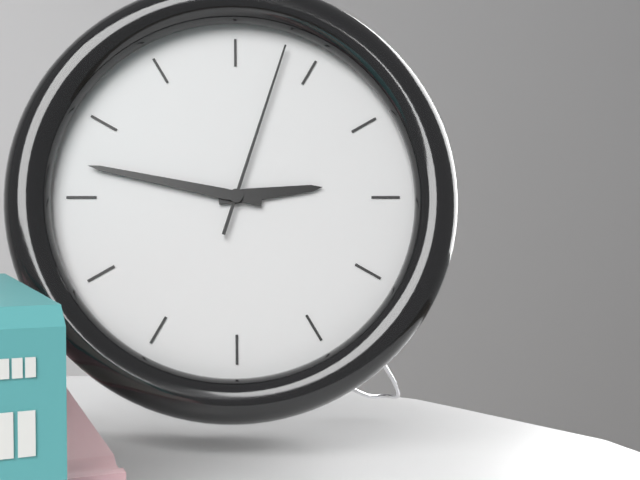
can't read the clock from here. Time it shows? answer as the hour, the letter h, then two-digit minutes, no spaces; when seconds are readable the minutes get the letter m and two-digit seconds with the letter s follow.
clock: 2h47m03s
